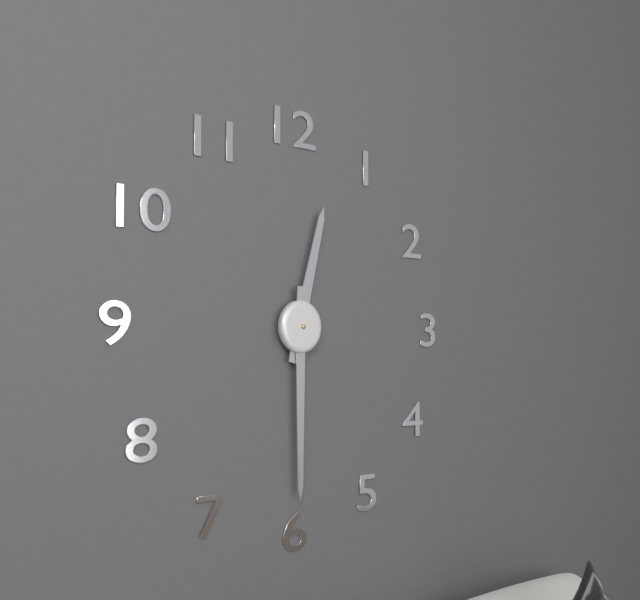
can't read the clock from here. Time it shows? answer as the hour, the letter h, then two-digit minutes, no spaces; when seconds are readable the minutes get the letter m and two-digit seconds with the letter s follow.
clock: 12h30
